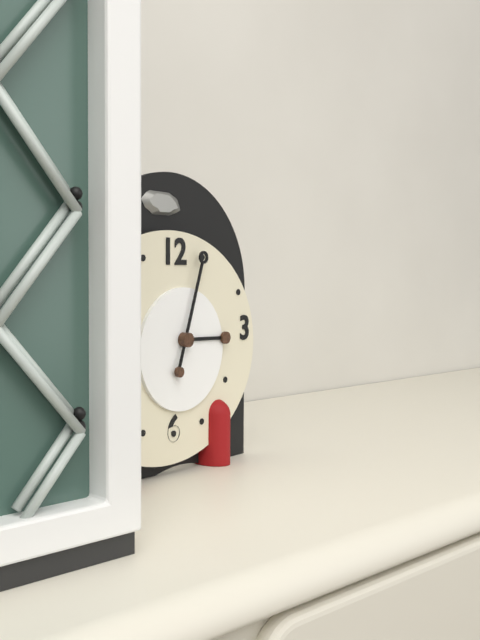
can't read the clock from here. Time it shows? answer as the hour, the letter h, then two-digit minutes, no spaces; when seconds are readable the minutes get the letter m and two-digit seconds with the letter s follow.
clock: 3h03
